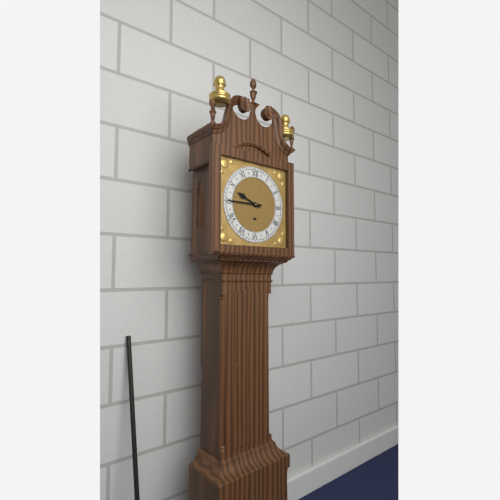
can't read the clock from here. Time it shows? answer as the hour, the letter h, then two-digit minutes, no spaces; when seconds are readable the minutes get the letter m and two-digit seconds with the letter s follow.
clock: 9h45
